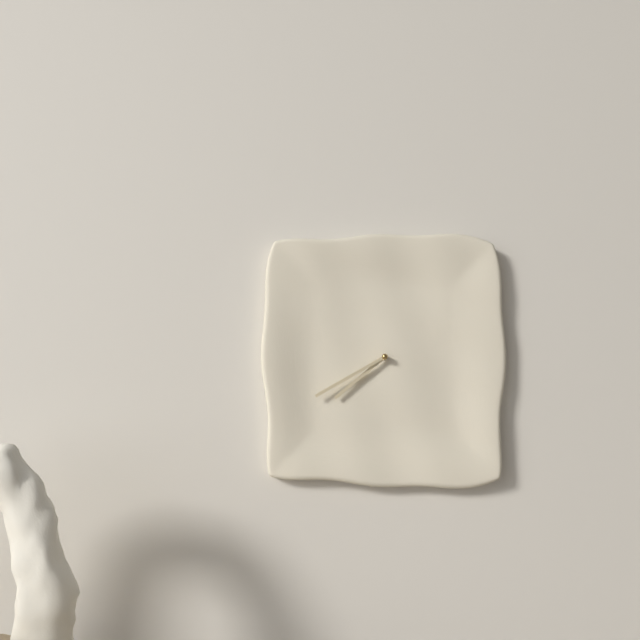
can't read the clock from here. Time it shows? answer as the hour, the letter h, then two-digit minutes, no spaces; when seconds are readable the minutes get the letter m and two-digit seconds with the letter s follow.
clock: 7h40
